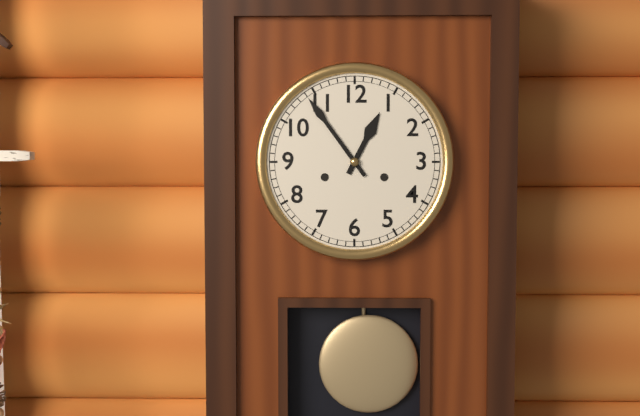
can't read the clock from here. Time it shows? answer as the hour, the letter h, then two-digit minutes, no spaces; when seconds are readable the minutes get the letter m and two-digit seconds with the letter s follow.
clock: 12h54
